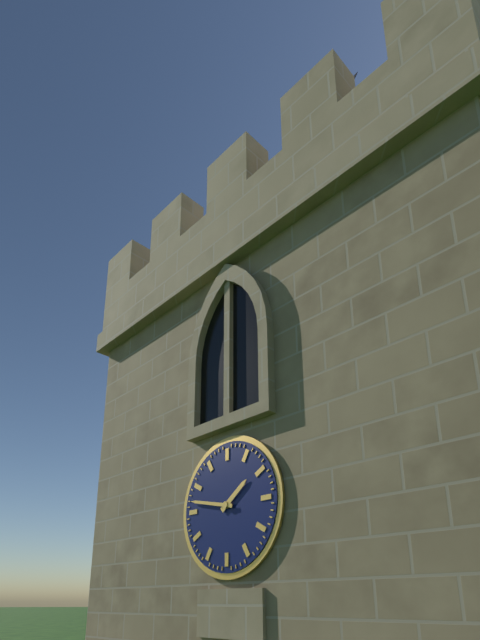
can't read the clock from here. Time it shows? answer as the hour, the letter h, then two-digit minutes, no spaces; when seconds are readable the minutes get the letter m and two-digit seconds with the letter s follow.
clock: 1h47
